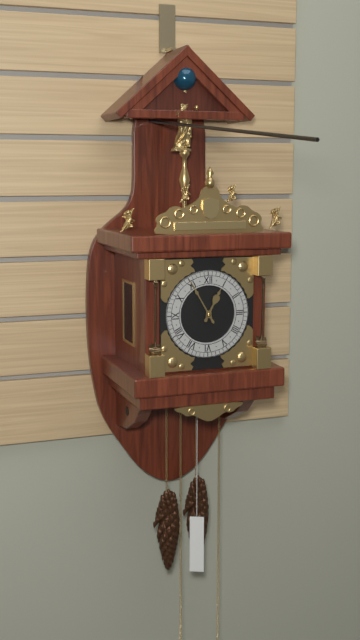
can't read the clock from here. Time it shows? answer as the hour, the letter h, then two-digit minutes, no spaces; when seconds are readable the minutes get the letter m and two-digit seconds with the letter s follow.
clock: 12h55
